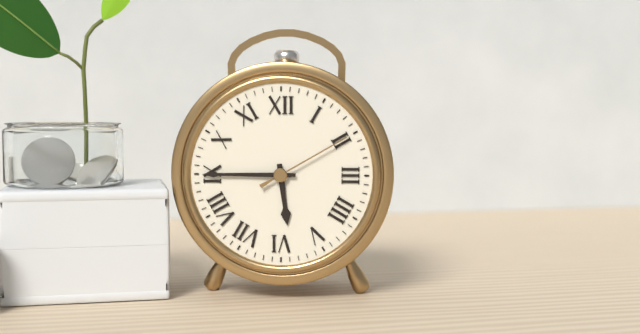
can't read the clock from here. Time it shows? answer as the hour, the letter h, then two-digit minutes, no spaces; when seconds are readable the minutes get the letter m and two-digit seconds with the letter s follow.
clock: 5h45m10s
